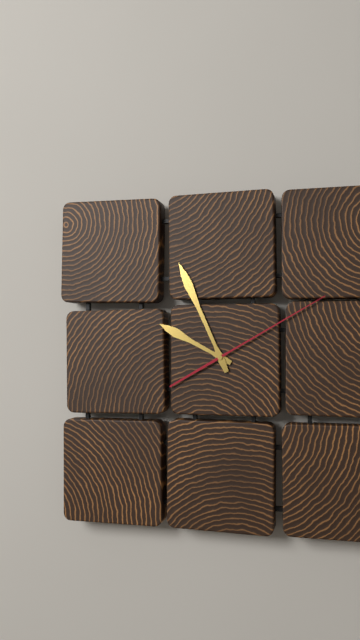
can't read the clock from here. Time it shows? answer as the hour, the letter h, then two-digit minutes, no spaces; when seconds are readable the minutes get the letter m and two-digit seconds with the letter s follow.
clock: 9h56m10s
